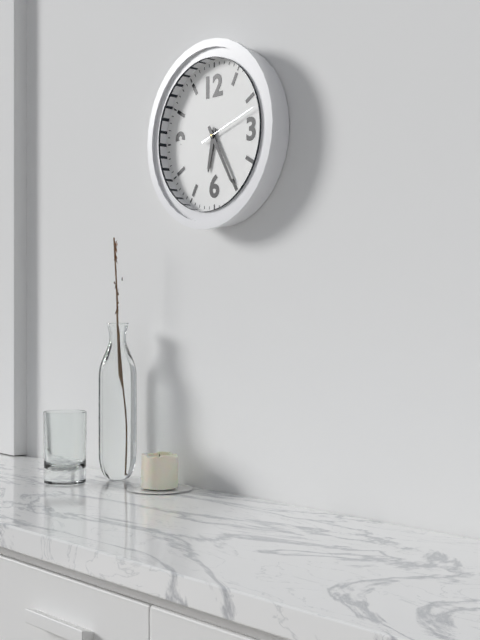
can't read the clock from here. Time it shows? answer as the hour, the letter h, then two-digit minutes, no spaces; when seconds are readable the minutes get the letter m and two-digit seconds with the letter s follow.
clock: 6h25m12s
